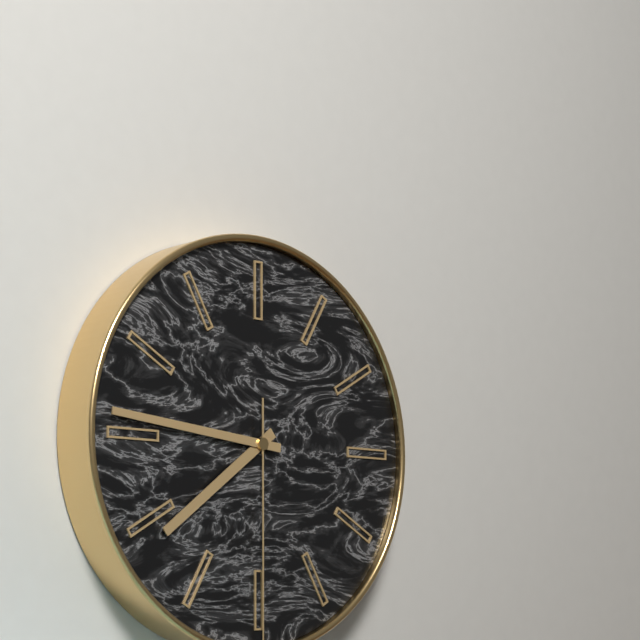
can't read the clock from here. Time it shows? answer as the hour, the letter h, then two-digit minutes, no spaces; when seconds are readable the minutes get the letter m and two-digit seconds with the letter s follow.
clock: 7h46m30s
